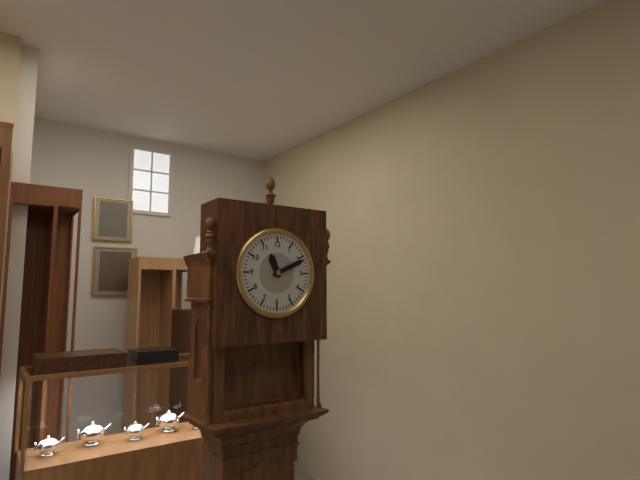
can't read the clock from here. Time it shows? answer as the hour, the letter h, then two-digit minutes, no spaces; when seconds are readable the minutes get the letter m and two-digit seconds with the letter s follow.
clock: 11h11
